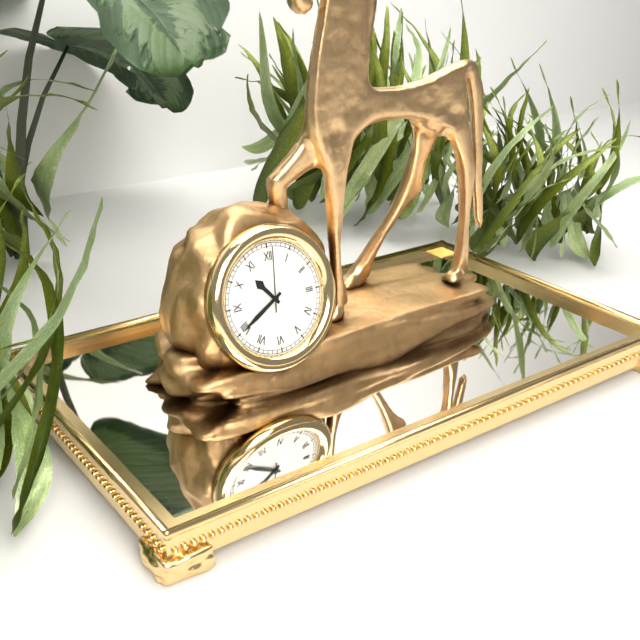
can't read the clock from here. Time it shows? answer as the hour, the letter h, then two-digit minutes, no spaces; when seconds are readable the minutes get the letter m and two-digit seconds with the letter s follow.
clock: 10h40m01s
